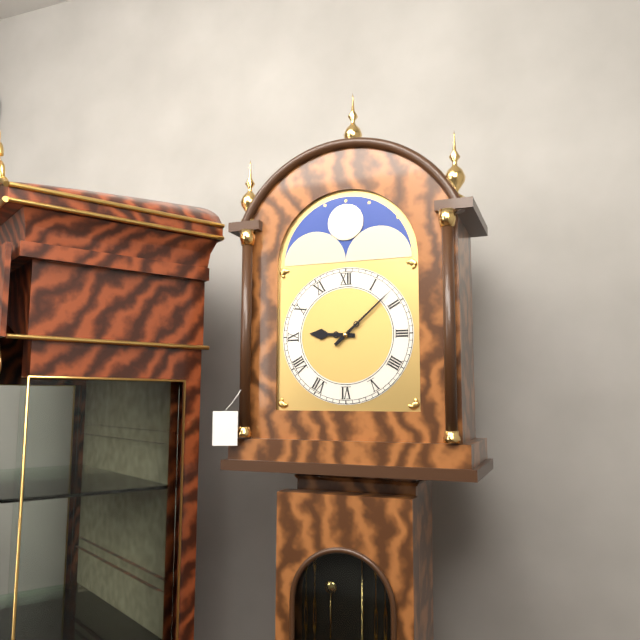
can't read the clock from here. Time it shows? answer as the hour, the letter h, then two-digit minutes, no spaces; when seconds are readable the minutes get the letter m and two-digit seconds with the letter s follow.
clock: 9h08
